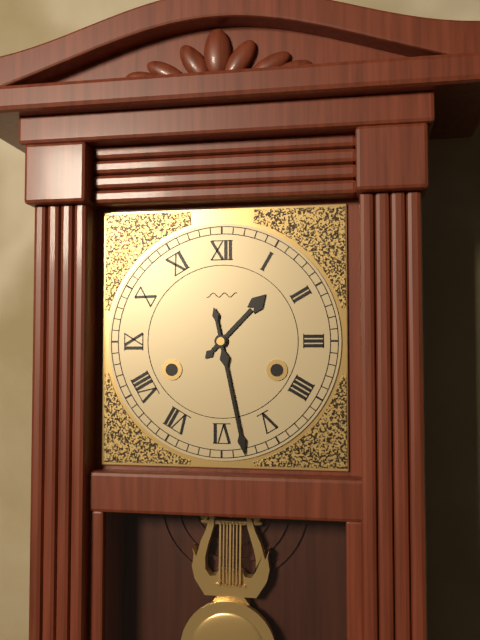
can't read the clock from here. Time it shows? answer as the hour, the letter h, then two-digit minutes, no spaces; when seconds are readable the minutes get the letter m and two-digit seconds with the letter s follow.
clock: 1h28
